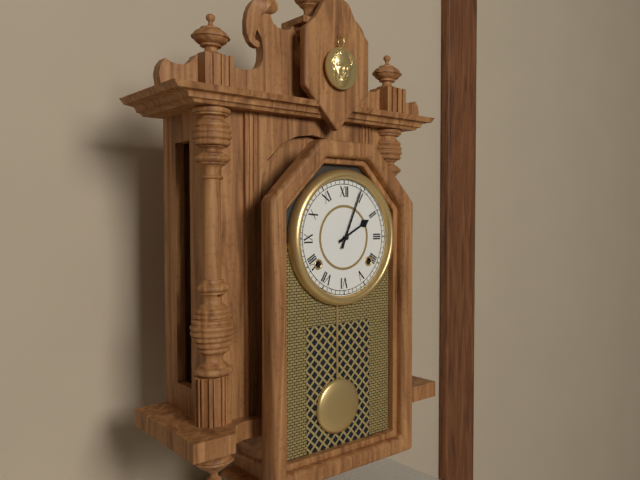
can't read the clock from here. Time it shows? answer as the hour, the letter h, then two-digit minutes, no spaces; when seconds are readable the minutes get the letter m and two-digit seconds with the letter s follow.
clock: 2h04
